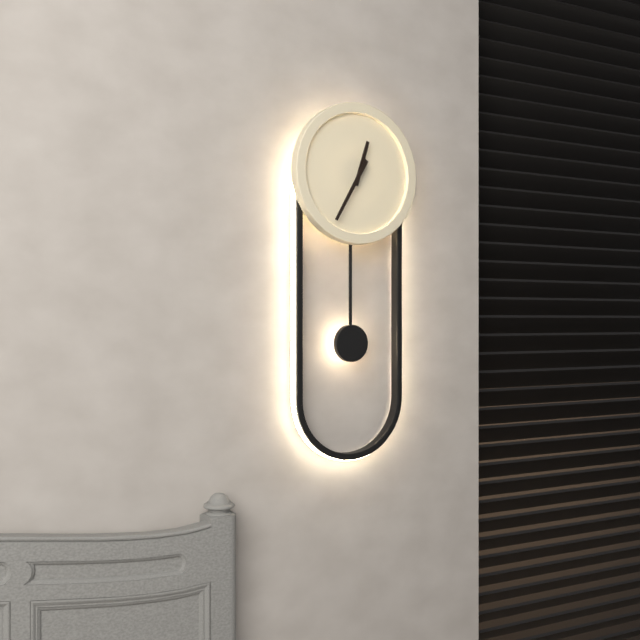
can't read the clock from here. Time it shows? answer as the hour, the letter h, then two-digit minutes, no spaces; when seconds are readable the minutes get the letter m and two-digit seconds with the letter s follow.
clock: 12h35
